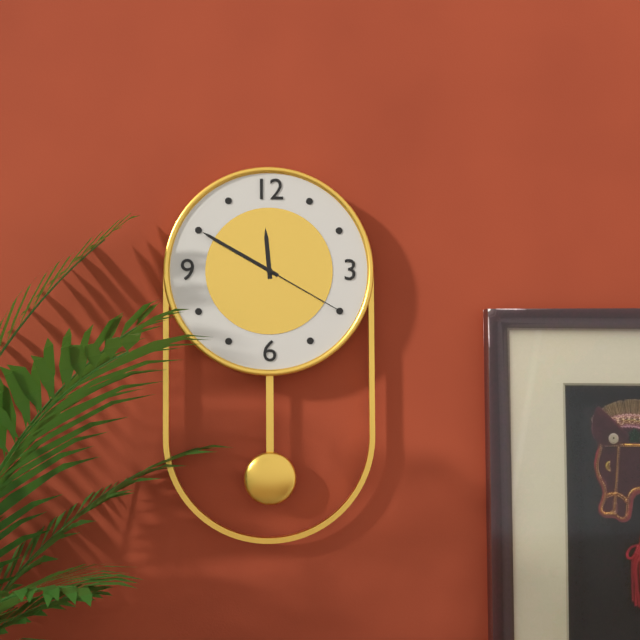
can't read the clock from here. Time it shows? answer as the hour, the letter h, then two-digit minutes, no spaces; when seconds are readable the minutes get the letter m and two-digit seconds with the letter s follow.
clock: 11h50m20s
